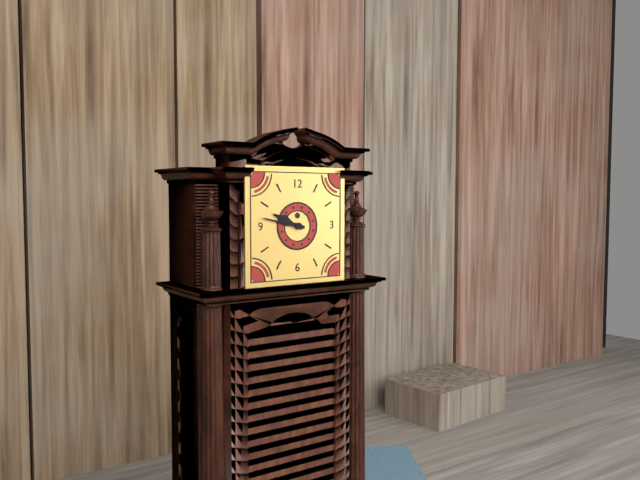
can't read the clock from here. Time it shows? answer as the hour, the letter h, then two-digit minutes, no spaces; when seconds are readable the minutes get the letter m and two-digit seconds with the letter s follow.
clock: 9h47
